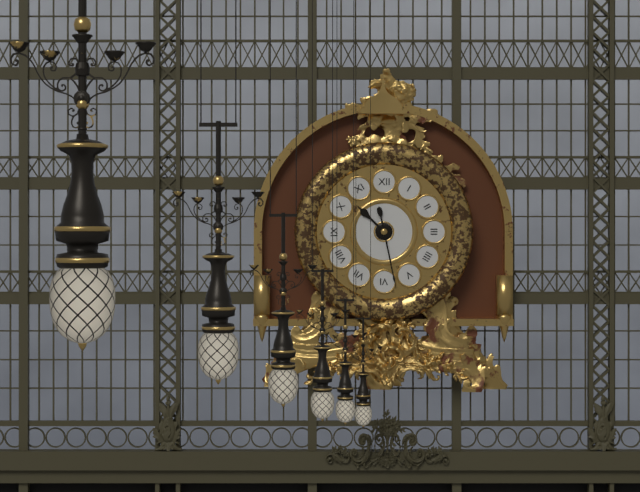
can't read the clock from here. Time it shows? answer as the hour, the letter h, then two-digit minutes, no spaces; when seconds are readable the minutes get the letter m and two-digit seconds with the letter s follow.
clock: 10h28
